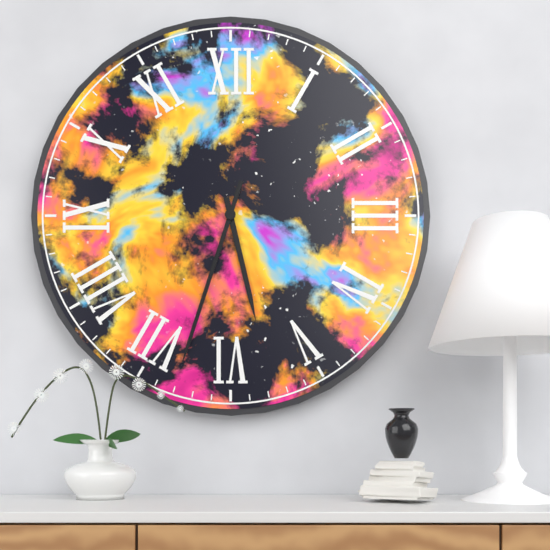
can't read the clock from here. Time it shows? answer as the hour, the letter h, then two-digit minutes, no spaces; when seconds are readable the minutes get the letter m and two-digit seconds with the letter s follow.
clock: 5h33
